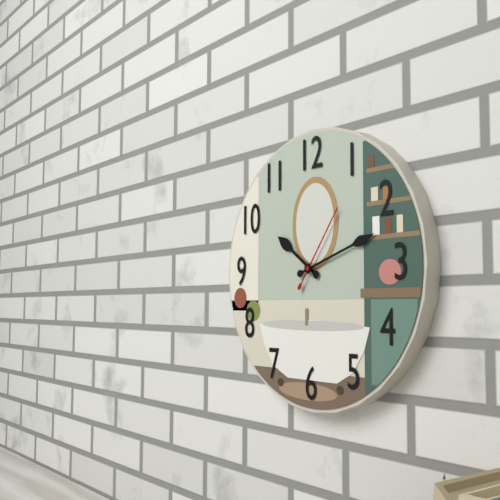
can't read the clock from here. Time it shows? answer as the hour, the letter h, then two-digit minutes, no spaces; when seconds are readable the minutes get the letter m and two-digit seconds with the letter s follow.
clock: 10h12m06s
